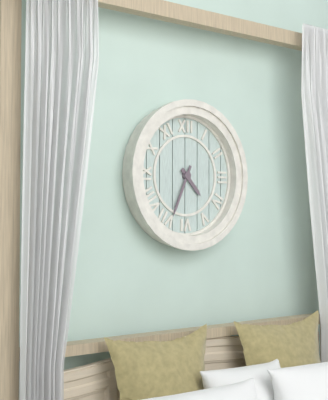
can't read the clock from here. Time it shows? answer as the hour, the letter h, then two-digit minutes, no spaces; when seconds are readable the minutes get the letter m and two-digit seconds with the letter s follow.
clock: 4h34
